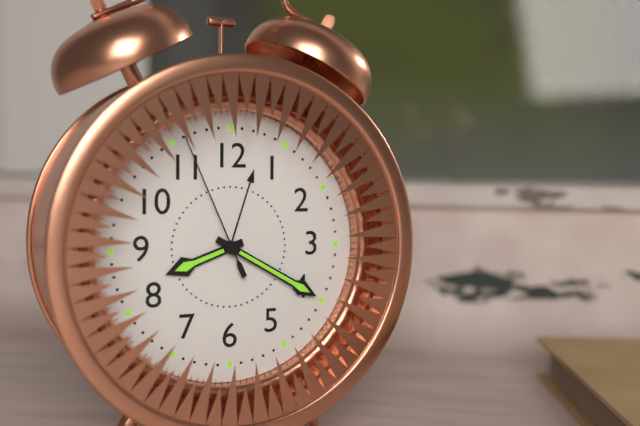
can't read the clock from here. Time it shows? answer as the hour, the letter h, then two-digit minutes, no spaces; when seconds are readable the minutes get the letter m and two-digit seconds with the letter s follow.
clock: 8h20m56s
